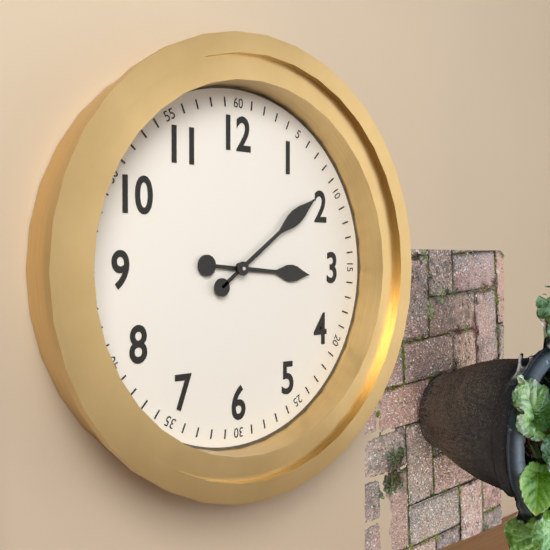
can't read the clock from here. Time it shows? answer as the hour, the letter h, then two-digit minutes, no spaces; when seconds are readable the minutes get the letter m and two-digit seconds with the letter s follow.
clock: 3h09
